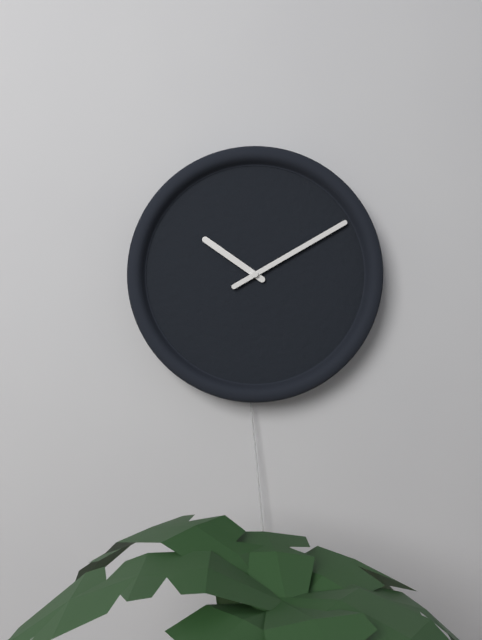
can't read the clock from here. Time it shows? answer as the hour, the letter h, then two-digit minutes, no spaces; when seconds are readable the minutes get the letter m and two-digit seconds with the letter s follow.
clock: 10h10
